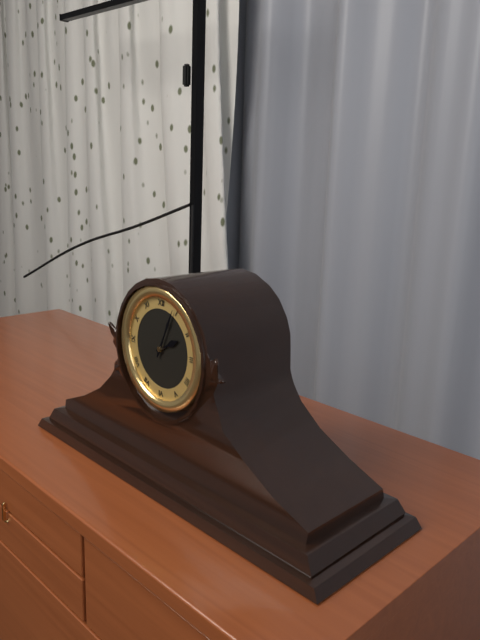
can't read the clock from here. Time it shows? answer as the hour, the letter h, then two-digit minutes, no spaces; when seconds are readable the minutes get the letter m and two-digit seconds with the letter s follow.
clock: 2h04
